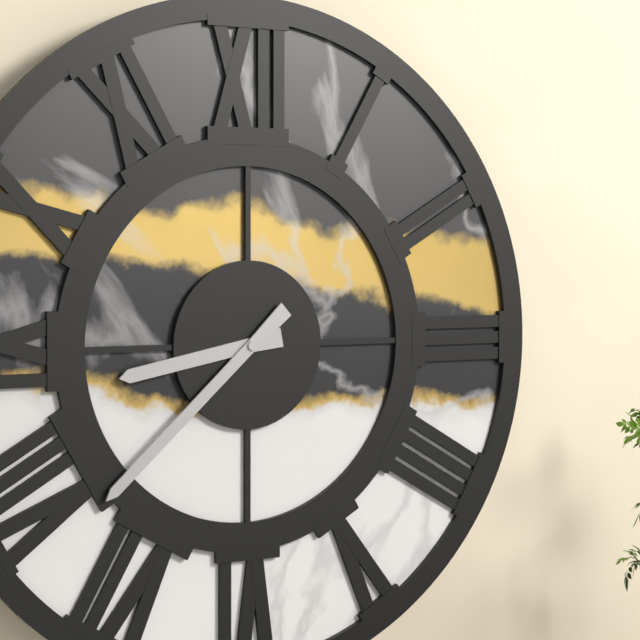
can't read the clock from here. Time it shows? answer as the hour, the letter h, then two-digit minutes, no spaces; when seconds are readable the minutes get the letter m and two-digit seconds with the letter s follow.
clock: 8h38
